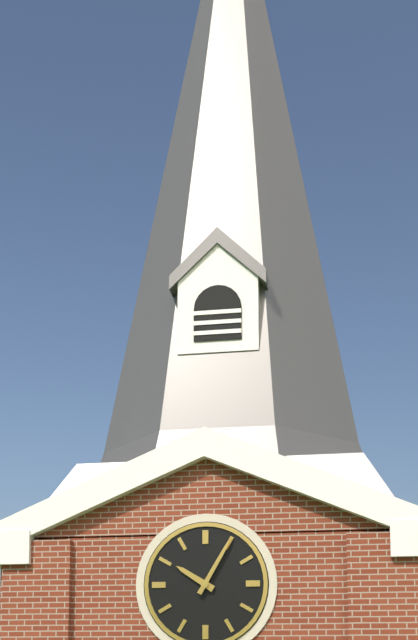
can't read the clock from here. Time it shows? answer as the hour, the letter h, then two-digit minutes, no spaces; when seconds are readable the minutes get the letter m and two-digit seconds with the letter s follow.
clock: 10h05
